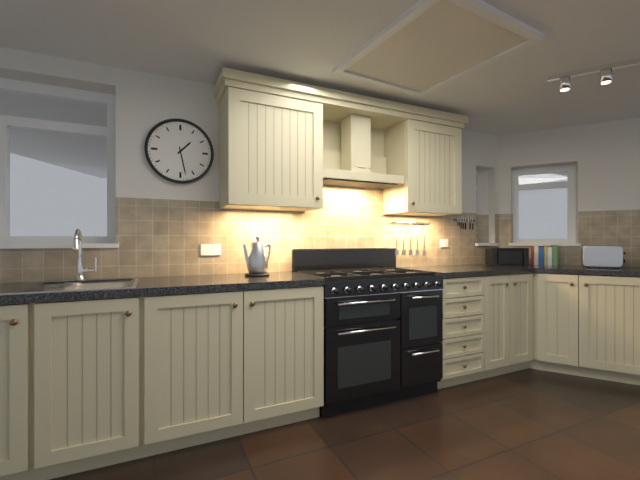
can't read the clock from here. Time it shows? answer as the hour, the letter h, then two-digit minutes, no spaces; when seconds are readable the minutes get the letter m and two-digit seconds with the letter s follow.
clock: 1h28
